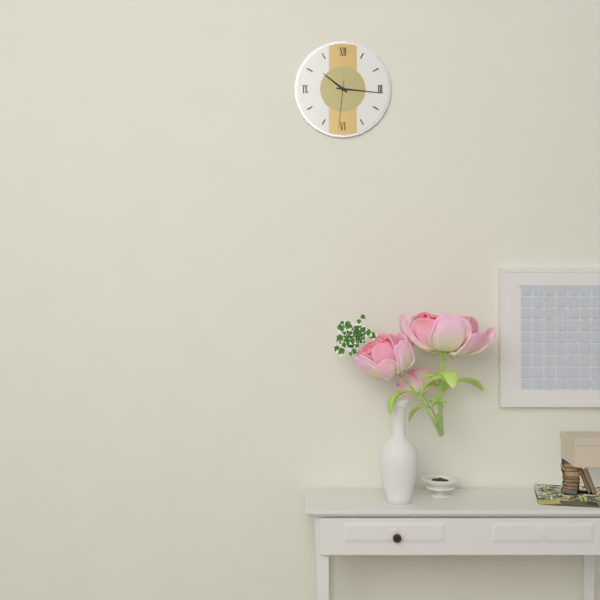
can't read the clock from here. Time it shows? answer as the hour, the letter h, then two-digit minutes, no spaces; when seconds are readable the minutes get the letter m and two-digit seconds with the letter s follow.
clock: 10h16m31s
